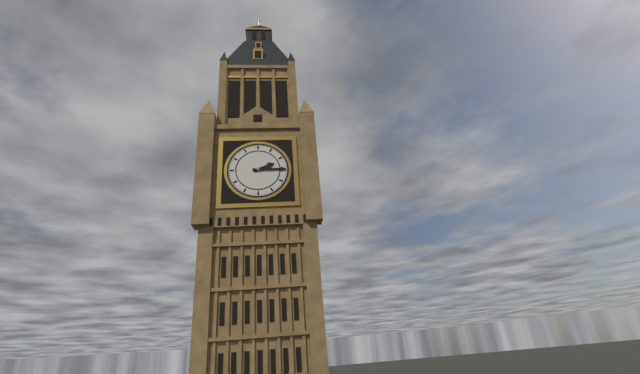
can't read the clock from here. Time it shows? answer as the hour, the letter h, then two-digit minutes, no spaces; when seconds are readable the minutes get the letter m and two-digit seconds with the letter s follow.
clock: 2h15
